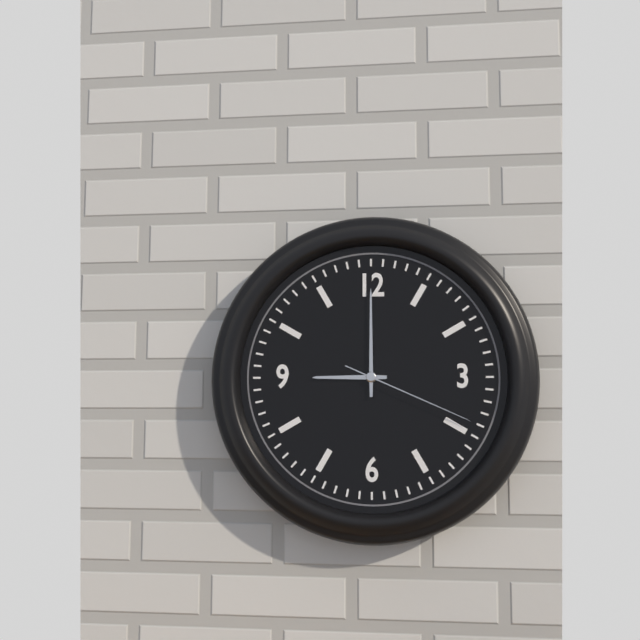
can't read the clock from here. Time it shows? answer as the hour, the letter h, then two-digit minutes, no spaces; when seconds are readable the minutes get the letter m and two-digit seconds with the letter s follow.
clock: 9h00m19s
